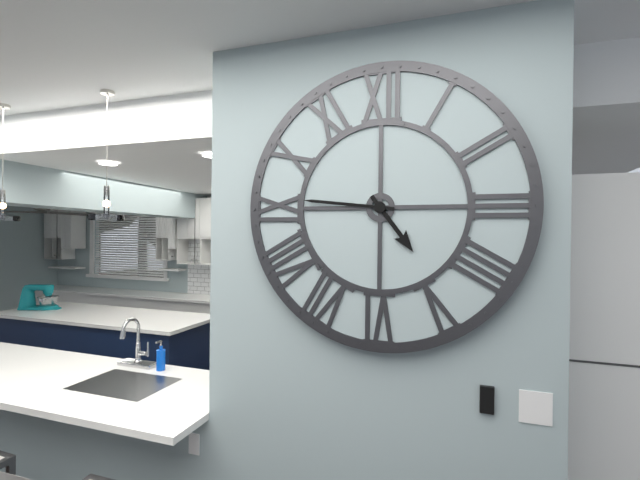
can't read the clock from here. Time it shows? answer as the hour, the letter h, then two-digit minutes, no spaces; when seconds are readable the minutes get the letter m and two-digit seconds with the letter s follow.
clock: 4h46
